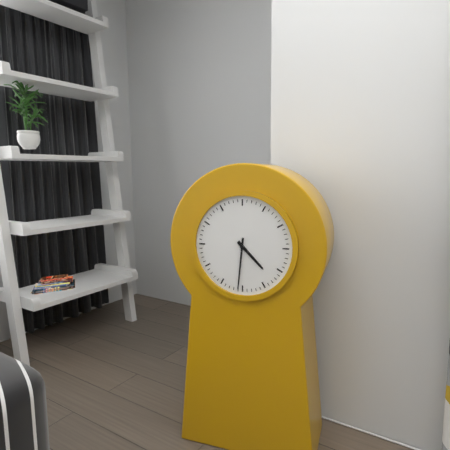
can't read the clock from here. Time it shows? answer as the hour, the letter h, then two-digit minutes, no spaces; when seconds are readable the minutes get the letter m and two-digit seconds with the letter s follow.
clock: 4h31
